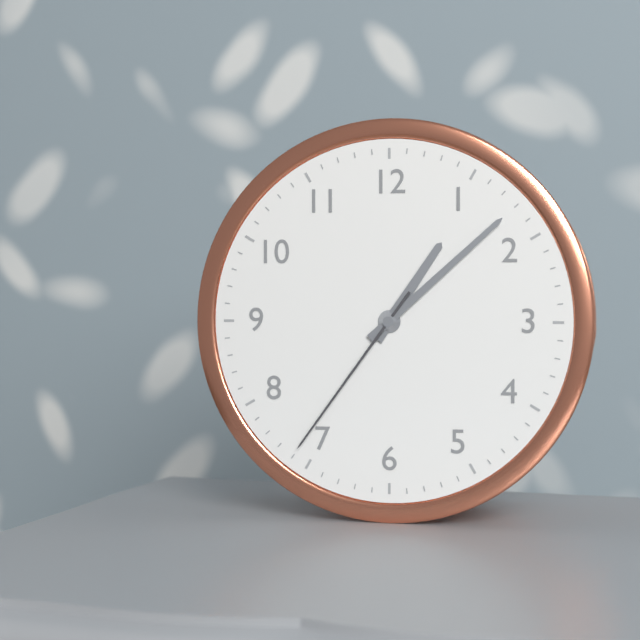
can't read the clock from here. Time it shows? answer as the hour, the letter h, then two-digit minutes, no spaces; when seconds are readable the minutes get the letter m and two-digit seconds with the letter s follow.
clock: 1h08m36s
